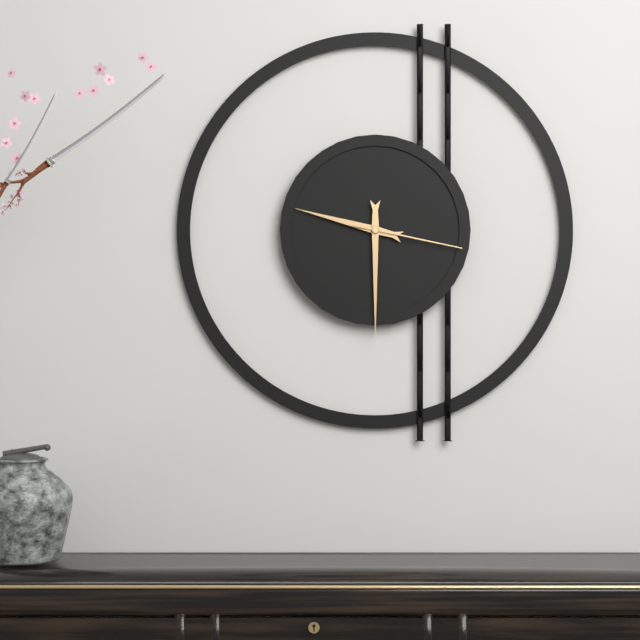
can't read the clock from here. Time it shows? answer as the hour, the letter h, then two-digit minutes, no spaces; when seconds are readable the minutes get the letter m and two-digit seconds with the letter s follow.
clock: 9h30m17s
